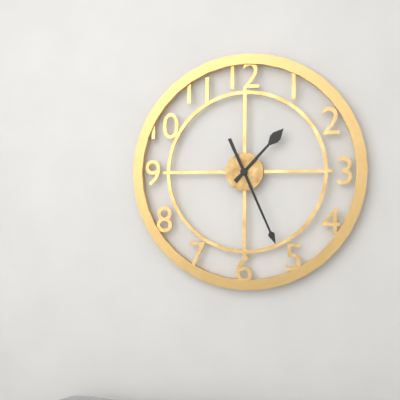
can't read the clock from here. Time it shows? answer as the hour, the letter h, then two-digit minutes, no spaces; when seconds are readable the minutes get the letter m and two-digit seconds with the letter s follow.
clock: 1h26
